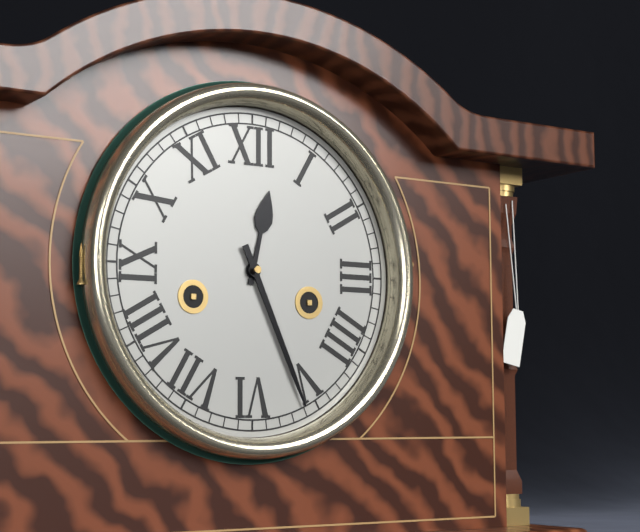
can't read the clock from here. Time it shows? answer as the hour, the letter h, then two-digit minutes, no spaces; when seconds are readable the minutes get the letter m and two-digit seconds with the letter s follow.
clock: 12h26
